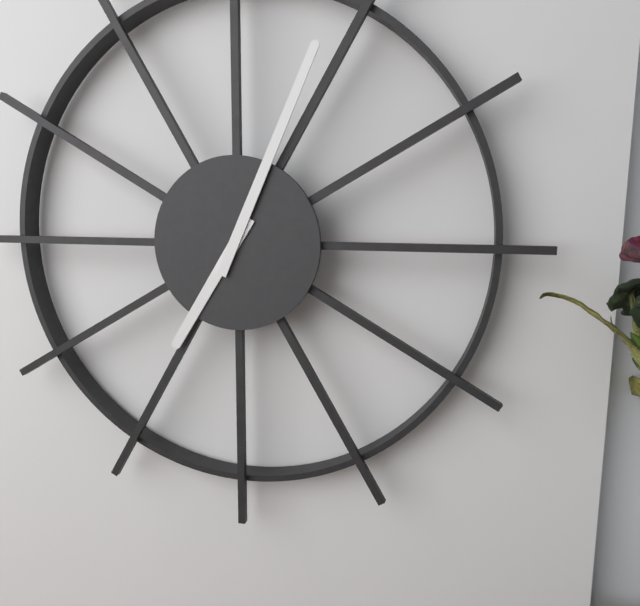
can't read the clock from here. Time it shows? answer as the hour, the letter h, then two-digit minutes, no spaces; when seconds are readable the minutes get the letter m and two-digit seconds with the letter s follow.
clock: 7h04
